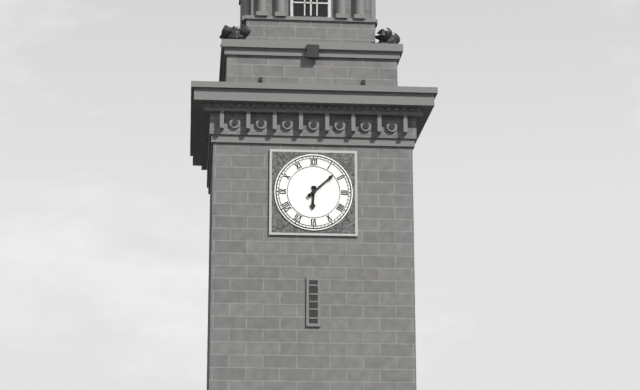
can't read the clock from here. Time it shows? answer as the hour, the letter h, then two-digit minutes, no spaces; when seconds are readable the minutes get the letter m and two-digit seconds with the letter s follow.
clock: 6h08
